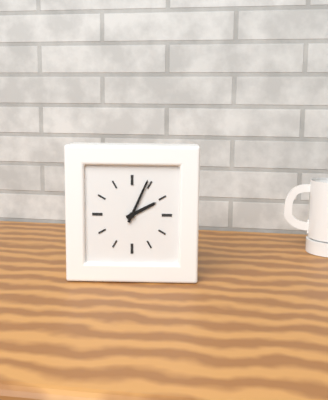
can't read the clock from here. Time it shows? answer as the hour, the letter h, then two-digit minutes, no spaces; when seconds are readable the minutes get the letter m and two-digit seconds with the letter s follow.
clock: 2h04
